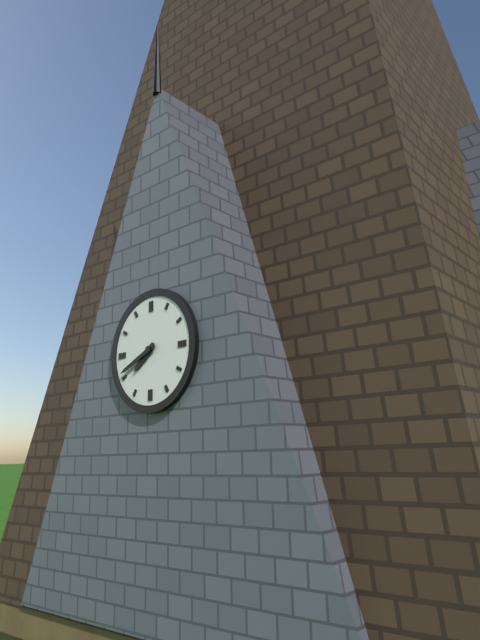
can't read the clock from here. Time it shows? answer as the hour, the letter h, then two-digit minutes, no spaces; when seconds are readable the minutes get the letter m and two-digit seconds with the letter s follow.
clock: 7h41
